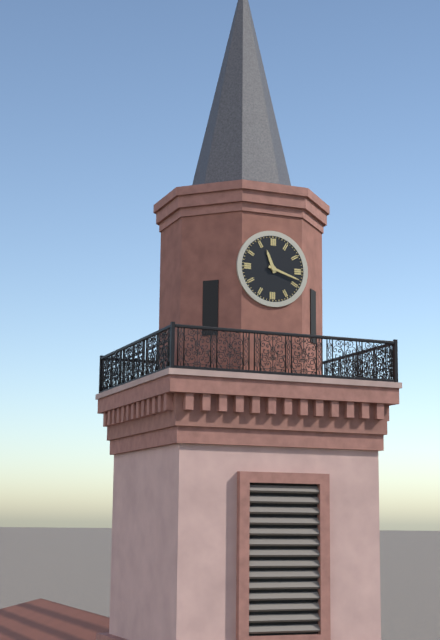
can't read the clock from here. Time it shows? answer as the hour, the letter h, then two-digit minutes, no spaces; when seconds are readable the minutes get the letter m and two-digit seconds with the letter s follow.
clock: 11h18
